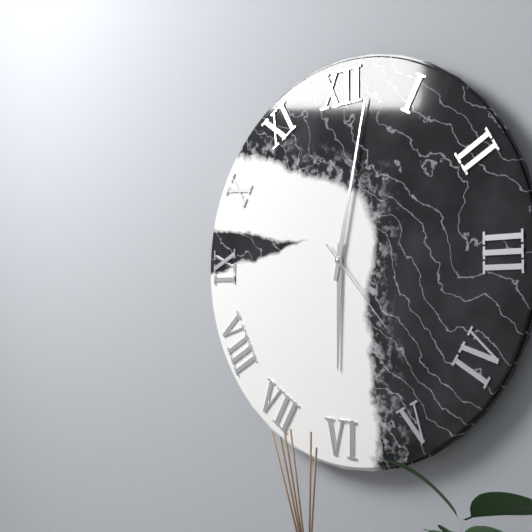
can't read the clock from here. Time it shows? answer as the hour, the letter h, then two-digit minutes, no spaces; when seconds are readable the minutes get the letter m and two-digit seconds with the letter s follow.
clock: 6h02m23s
